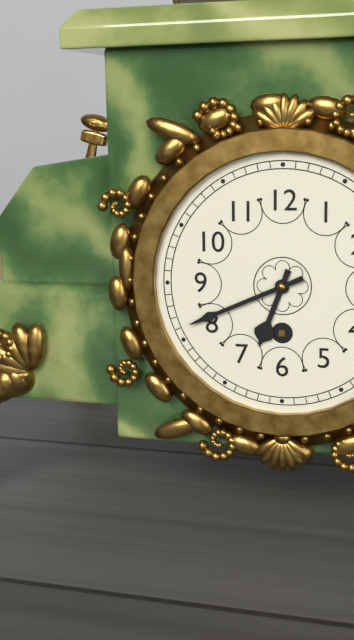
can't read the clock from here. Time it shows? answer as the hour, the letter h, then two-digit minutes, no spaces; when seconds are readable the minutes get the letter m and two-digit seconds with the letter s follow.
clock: 6h41
